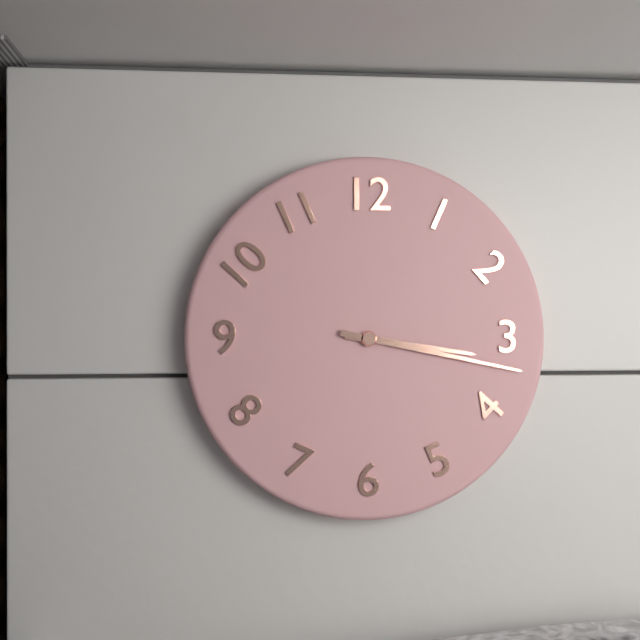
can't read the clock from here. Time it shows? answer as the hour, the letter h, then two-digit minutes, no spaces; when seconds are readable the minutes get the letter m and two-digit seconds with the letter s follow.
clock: 3h17
